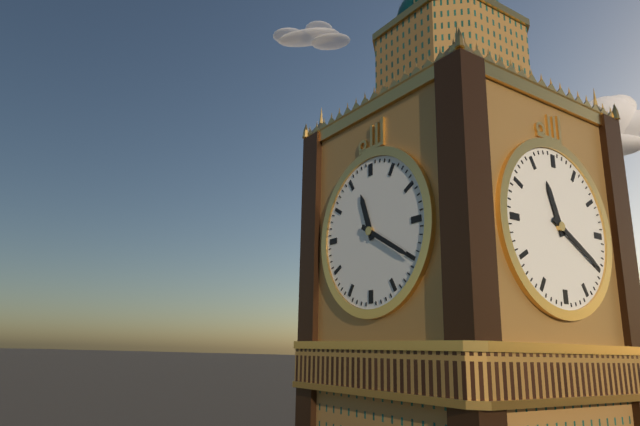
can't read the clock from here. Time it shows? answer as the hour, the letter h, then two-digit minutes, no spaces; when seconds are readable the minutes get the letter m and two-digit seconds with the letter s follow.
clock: 11h20
